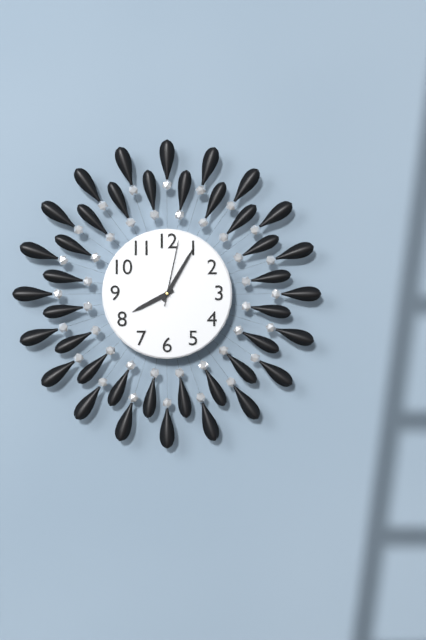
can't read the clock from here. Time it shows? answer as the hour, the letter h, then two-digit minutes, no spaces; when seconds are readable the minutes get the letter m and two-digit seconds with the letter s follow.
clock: 8h05m02s
